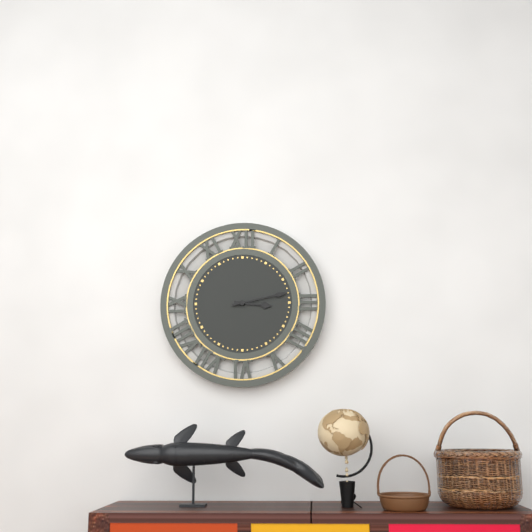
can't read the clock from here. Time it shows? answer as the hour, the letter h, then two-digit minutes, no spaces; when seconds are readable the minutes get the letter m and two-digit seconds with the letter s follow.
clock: 3h13
